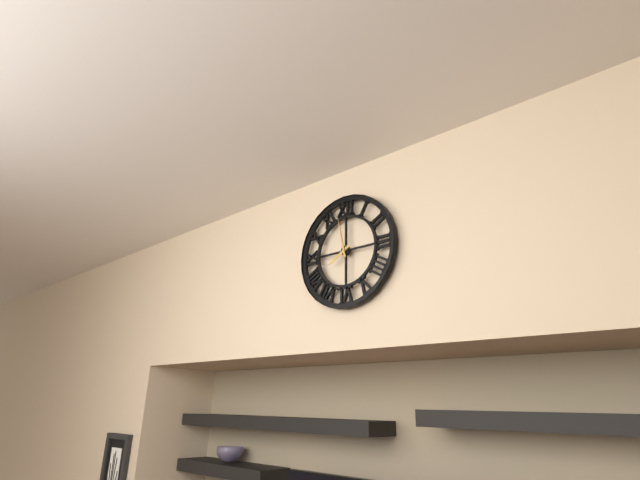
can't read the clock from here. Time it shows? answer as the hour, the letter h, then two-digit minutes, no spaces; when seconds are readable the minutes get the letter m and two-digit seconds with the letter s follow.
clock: 7h58
